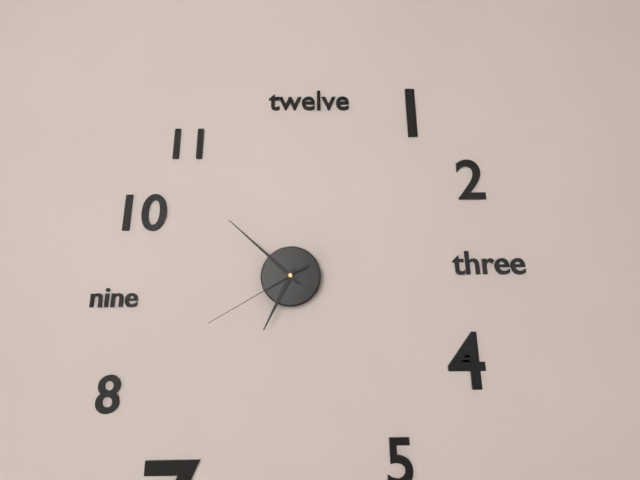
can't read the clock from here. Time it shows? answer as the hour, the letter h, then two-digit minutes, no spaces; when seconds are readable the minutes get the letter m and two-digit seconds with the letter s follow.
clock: 6h52m40s
